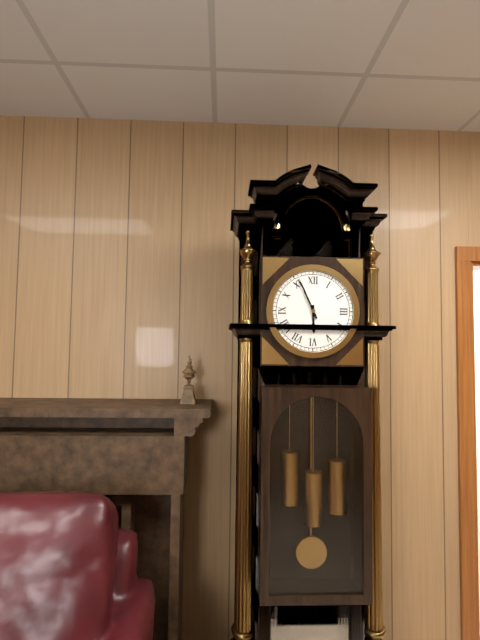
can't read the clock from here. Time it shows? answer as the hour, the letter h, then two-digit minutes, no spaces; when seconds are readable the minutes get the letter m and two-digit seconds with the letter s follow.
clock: 5h56
